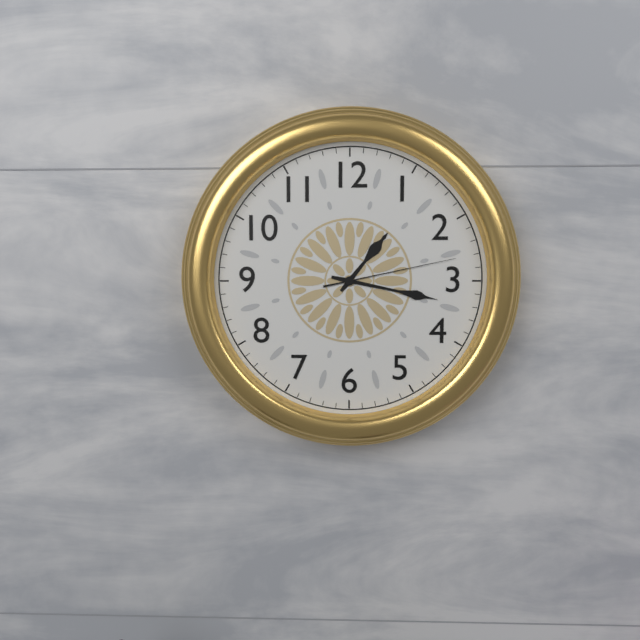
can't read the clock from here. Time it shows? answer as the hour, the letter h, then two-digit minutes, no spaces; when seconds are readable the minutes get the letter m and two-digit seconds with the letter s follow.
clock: 1h17m13s
